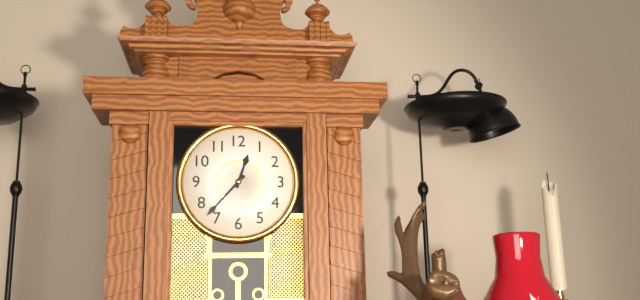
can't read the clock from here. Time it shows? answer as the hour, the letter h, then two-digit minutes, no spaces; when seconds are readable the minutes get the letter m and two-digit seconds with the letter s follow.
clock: 12h37
